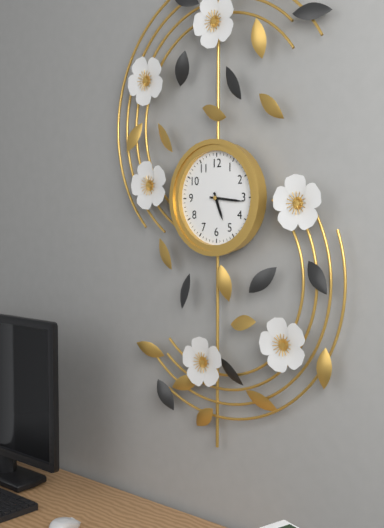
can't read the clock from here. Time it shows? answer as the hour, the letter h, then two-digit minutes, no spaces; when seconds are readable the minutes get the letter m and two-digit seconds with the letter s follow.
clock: 5h16
